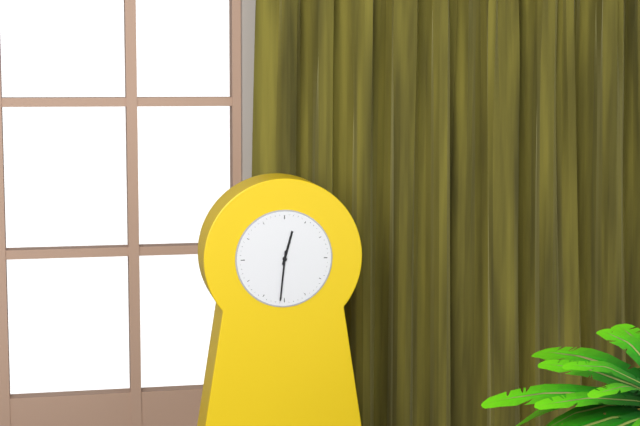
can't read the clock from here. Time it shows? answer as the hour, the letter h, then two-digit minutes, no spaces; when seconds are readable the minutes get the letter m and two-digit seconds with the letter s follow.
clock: 12h31
